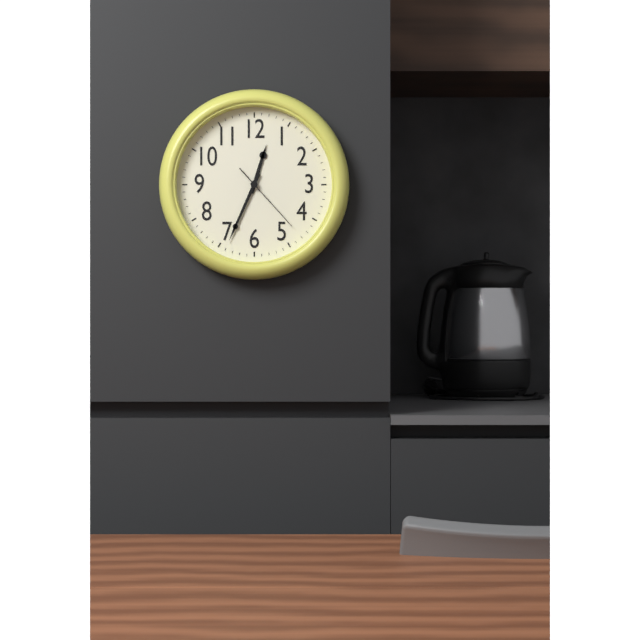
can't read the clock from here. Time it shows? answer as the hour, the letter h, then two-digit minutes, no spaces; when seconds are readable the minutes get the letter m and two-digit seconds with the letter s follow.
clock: 12h34m23s
